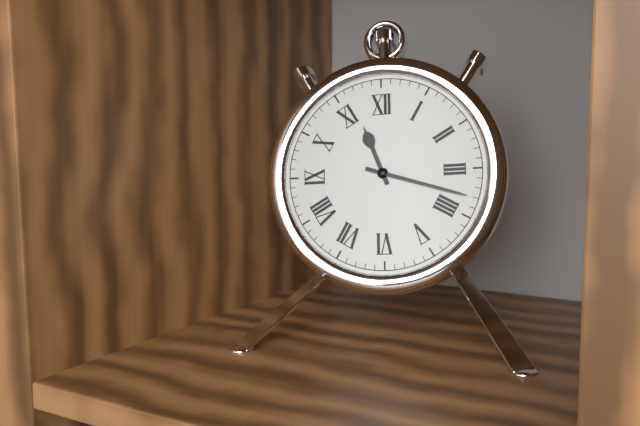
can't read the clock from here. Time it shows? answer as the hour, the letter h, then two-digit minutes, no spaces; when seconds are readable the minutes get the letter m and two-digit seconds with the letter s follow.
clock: 11h18
